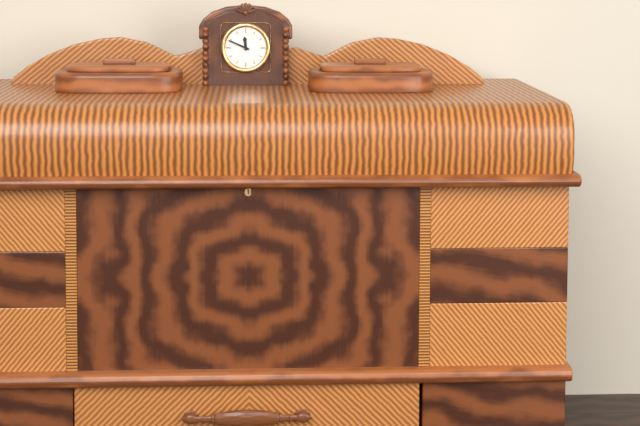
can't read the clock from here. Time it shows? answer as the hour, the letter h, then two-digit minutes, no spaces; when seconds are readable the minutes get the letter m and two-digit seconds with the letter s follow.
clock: 11h49
